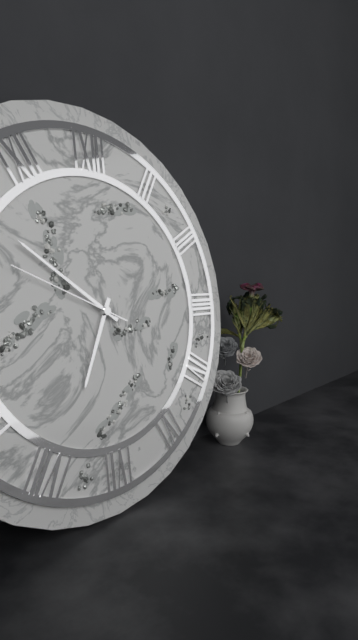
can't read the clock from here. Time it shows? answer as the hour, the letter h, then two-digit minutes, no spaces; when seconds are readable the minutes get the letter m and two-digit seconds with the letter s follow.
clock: 6h51m49s
